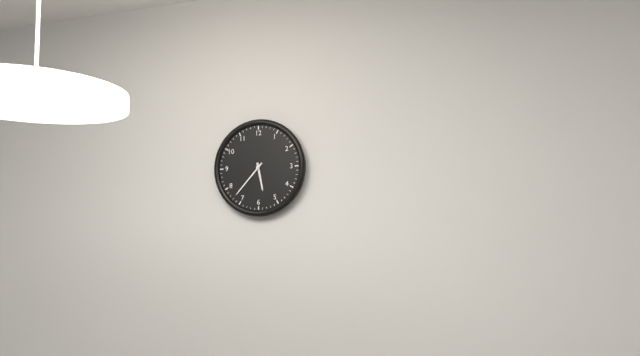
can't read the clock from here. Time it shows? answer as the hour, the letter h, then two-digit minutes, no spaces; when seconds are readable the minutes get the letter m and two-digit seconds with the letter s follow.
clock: 5h37
